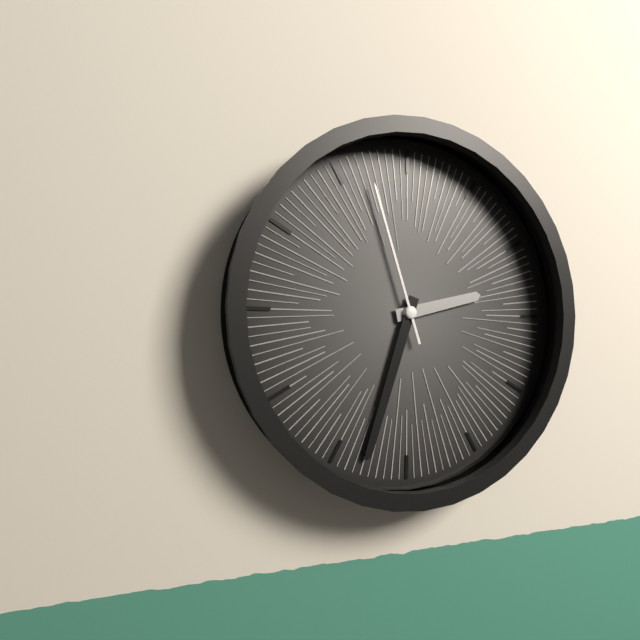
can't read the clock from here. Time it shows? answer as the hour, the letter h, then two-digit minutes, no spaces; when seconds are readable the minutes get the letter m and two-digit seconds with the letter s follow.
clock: 2h33m57s
